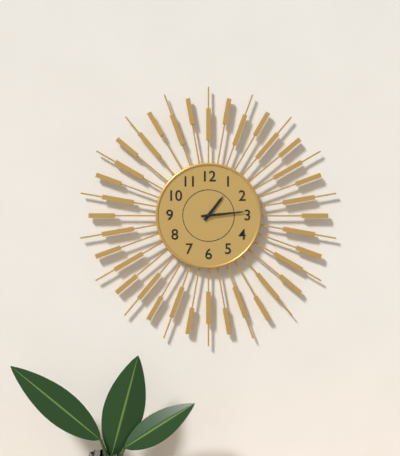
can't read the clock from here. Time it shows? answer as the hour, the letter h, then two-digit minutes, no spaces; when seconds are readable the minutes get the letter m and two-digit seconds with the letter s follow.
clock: 1h14
